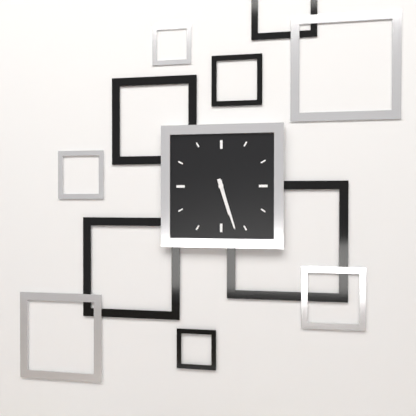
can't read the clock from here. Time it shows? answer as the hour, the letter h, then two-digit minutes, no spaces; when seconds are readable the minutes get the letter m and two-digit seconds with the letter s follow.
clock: 5h27
